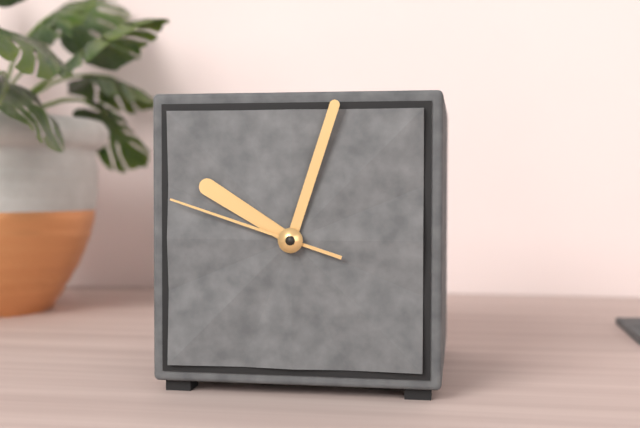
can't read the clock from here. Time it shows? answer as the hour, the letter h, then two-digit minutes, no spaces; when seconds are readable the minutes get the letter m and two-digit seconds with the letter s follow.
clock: 10h03m48s
